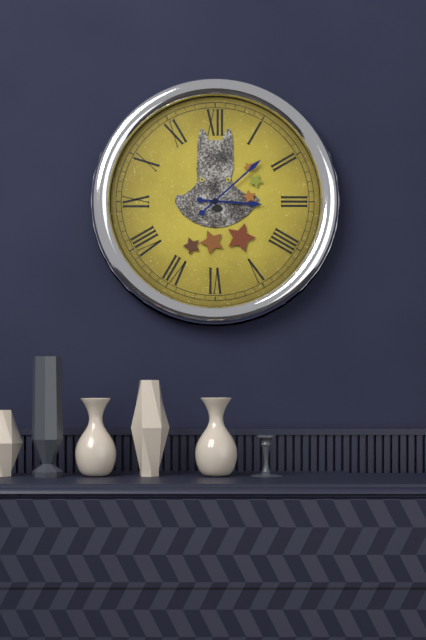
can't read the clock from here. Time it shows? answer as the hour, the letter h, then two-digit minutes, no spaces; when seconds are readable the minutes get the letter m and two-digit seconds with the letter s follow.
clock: 3h08
